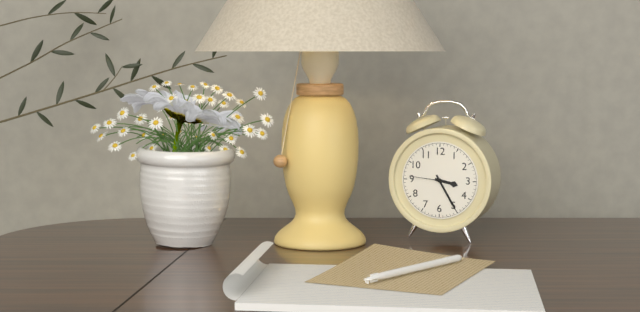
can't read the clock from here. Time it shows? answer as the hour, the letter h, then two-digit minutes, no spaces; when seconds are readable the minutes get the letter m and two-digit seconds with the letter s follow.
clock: 3h25
